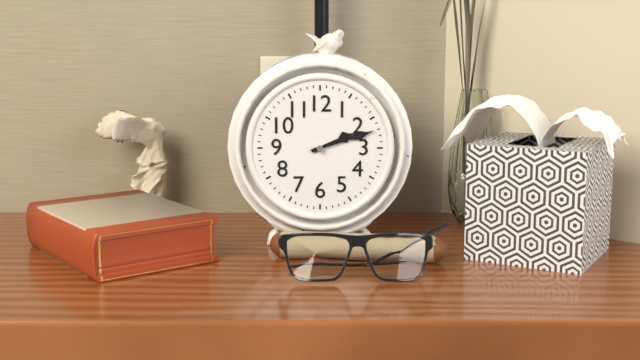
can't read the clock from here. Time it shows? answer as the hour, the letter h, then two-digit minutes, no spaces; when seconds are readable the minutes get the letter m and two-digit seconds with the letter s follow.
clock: 2h12
